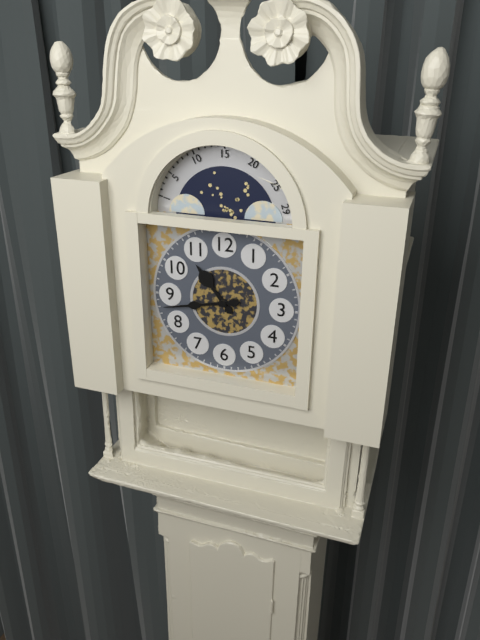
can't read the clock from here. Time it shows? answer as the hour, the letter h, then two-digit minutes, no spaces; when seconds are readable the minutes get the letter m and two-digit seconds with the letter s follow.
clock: 10h43
